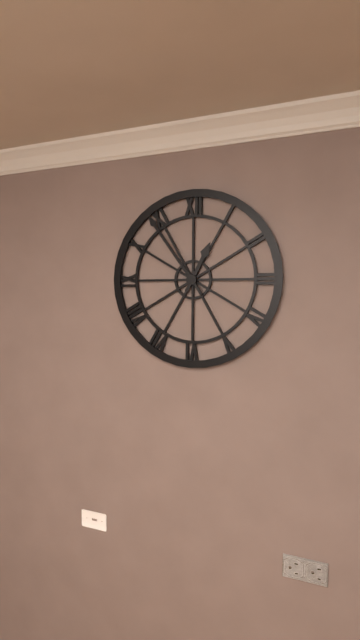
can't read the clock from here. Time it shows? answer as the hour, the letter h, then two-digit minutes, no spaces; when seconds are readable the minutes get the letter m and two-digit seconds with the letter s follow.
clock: 12h54
